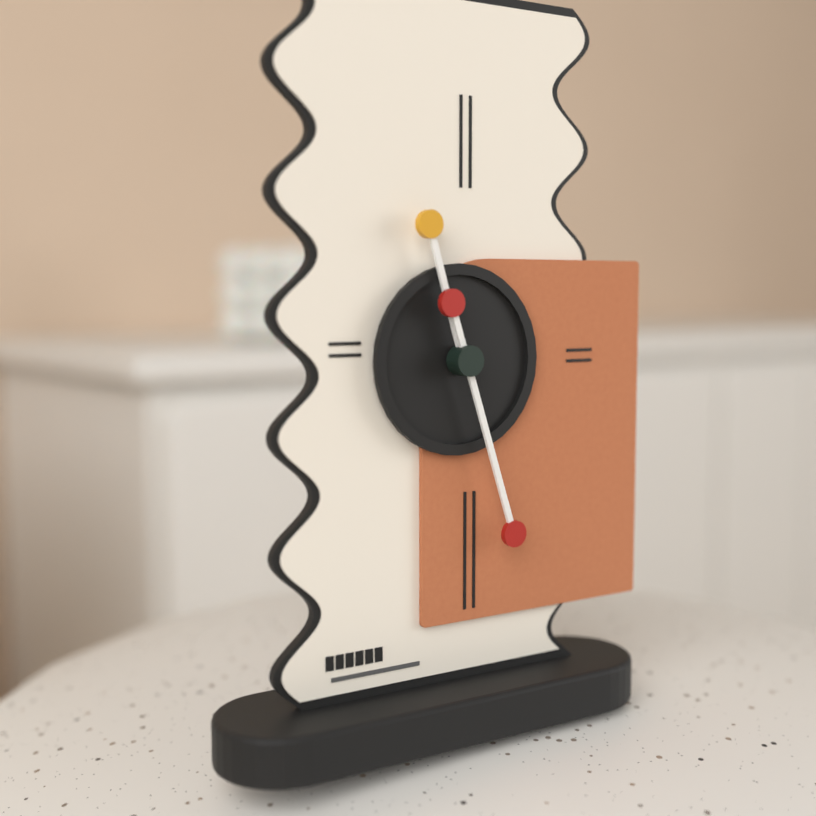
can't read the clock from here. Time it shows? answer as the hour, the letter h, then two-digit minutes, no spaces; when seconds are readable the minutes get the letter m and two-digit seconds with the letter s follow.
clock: 11h27
